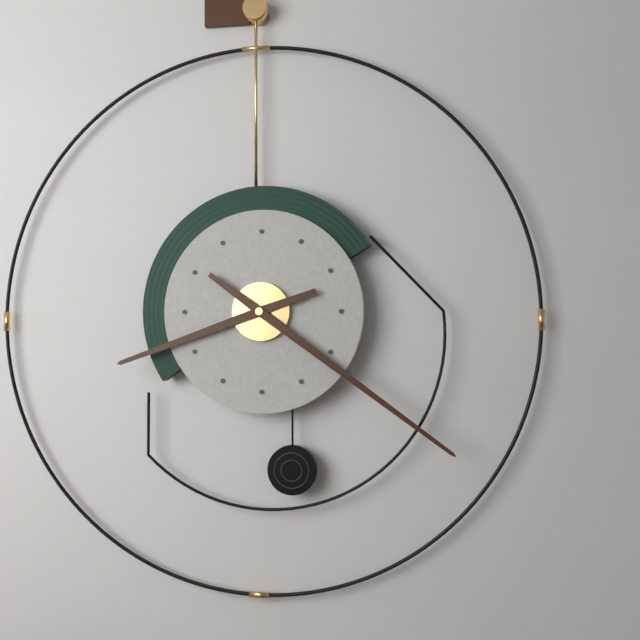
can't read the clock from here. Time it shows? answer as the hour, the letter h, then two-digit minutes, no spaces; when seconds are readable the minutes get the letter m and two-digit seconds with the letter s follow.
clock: 8h21
